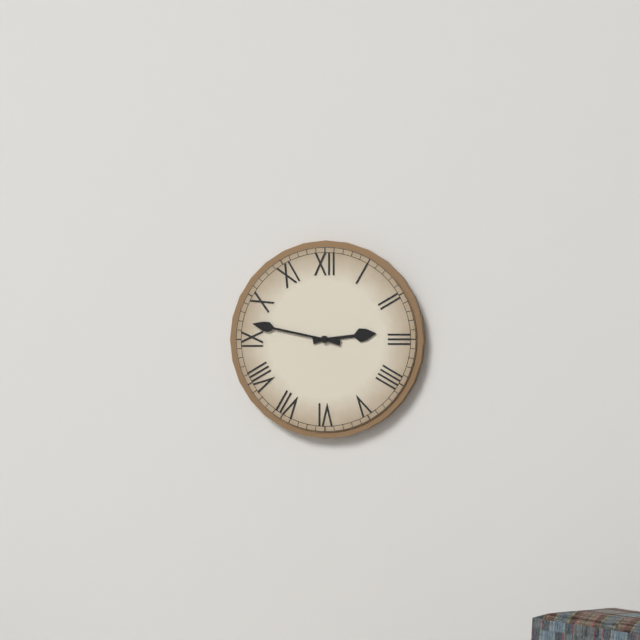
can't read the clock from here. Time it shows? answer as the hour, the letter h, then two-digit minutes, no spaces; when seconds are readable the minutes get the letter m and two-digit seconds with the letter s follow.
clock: 2h47
